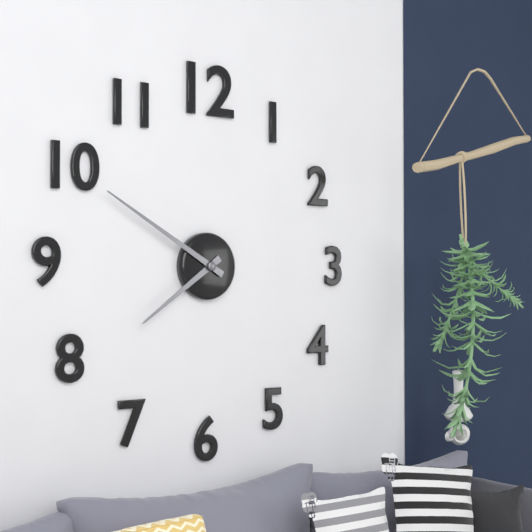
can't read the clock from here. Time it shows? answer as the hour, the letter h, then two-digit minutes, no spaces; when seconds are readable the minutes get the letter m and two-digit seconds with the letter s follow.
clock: 7h50
